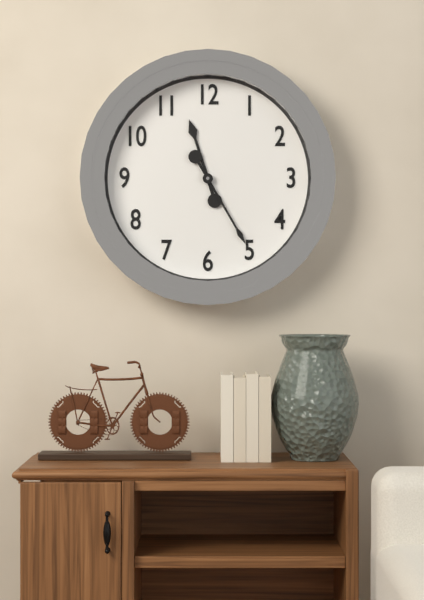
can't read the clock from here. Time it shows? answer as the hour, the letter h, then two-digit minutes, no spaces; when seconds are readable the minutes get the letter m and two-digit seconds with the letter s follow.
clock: 11h25
